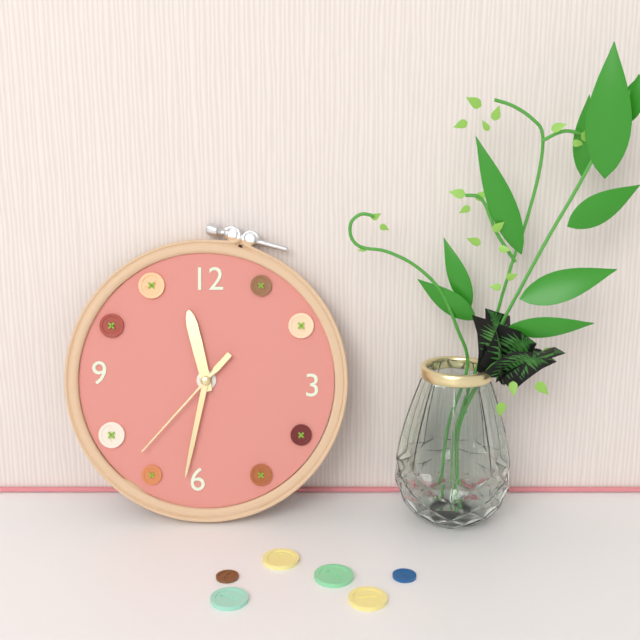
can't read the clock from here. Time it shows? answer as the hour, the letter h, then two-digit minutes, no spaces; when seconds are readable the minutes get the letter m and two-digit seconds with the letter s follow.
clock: 11h32m37s
